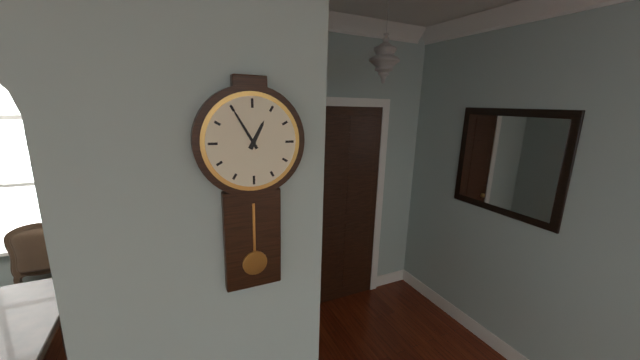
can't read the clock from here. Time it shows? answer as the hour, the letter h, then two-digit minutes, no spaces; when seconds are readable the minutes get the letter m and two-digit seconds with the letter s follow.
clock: 12h55
